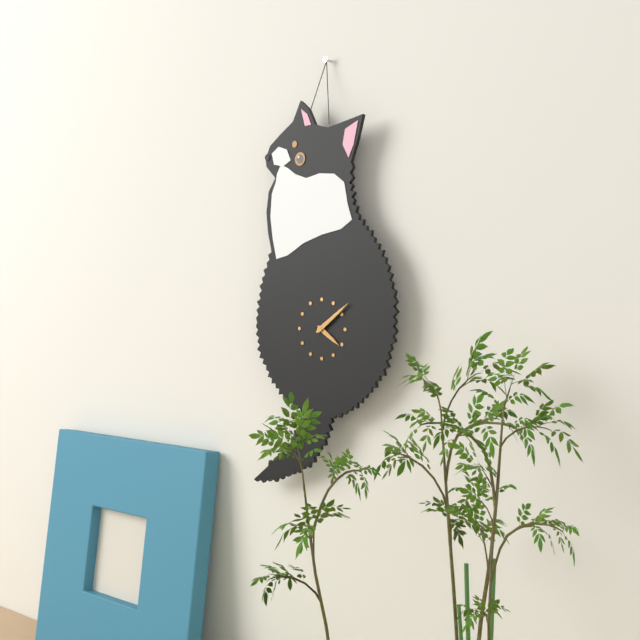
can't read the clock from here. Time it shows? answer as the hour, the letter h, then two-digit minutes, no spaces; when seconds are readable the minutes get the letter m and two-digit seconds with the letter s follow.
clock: 4h09
